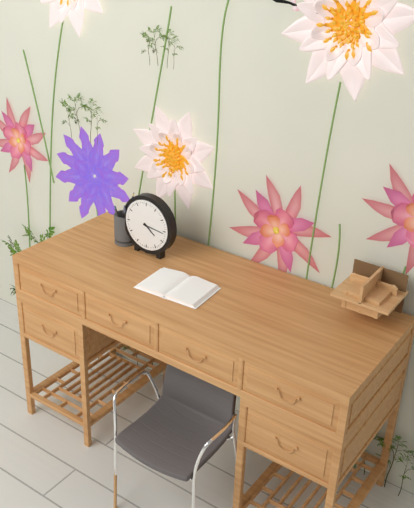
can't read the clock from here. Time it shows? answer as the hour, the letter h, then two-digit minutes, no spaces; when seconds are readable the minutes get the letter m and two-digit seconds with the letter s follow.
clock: 4h16
